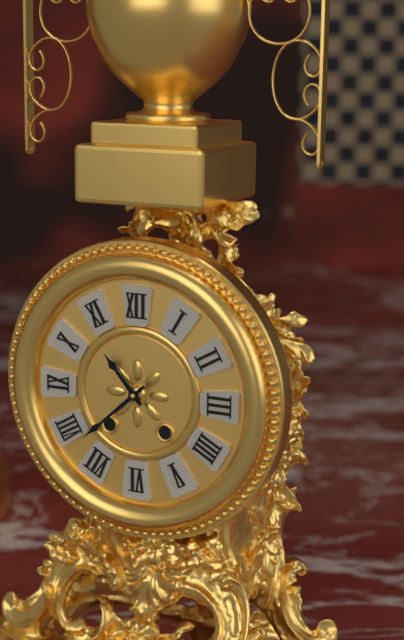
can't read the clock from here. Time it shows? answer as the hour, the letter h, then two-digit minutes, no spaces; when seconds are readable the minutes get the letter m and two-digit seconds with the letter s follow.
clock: 10h38
